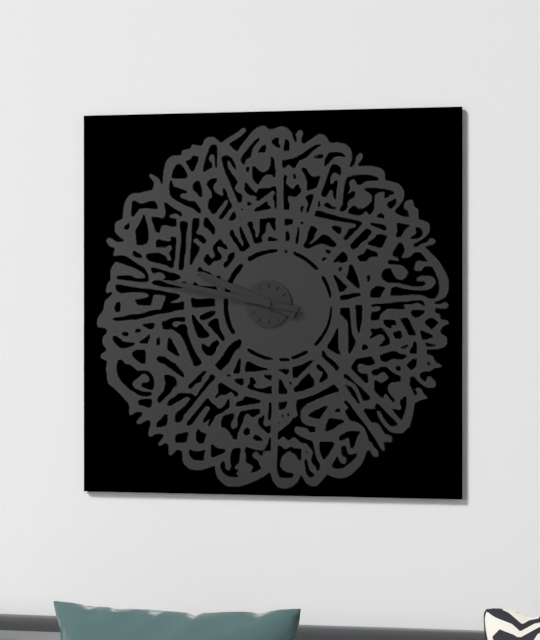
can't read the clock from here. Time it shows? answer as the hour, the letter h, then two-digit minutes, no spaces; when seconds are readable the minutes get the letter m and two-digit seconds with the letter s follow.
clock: 9h47
